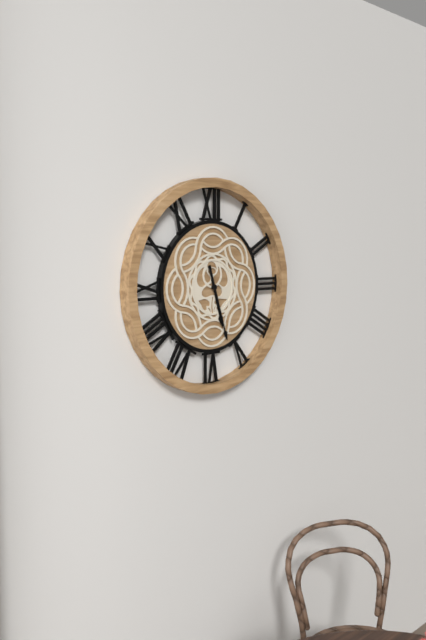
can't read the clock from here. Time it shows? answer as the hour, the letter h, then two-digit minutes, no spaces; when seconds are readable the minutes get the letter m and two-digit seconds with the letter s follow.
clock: 5h27
